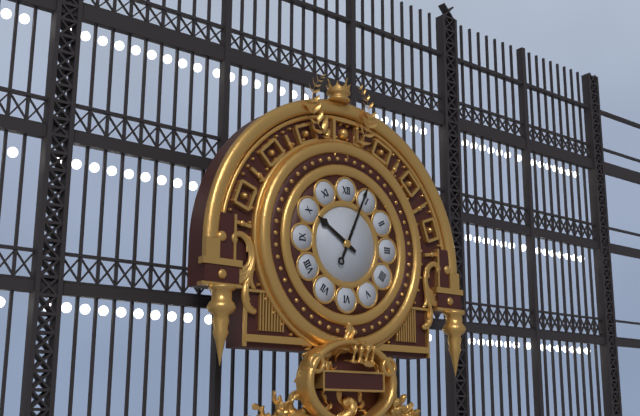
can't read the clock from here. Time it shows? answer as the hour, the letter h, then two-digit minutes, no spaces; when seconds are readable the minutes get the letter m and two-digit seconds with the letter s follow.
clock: 10h04
